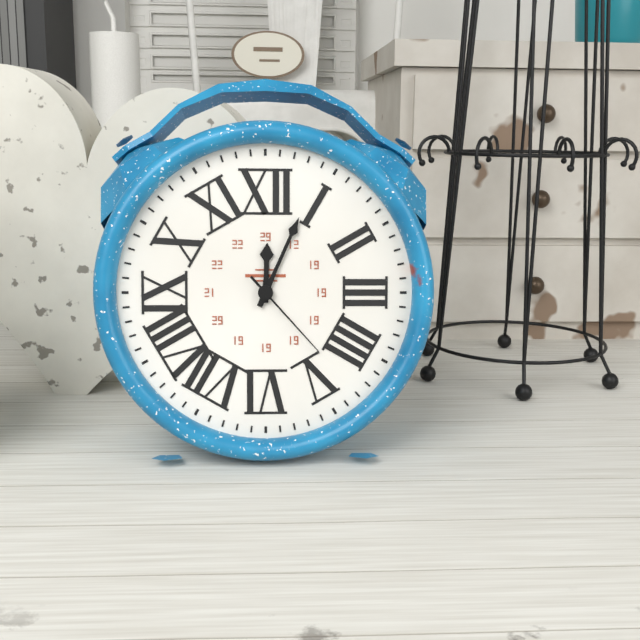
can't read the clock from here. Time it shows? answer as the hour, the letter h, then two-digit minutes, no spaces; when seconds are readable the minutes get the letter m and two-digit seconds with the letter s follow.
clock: 12h04m23s
